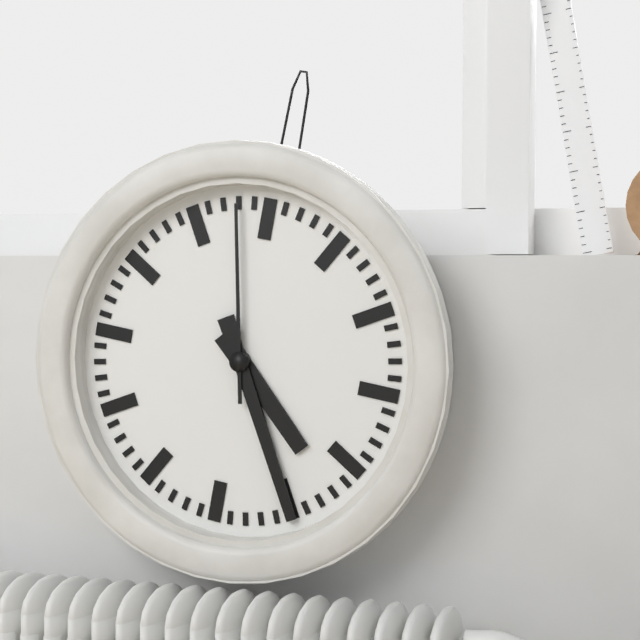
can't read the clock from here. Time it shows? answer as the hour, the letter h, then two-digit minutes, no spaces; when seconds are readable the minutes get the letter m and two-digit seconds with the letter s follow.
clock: 4h25m58s
